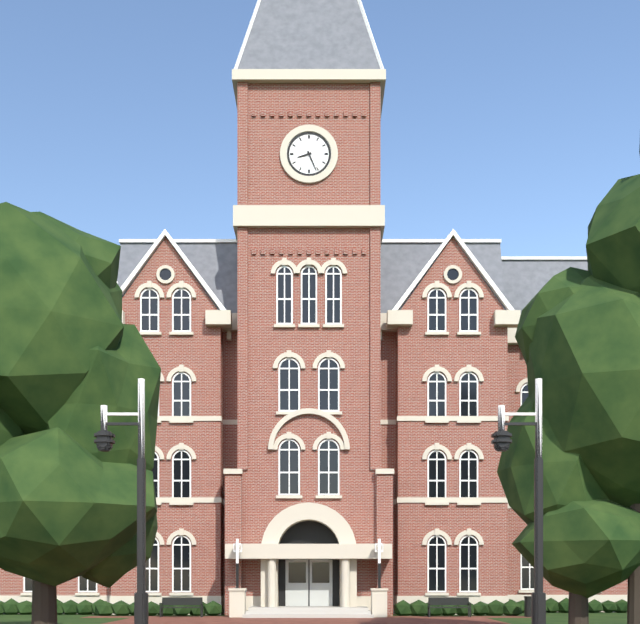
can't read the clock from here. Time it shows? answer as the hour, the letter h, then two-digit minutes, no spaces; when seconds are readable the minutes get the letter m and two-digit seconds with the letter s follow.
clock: 8h26
